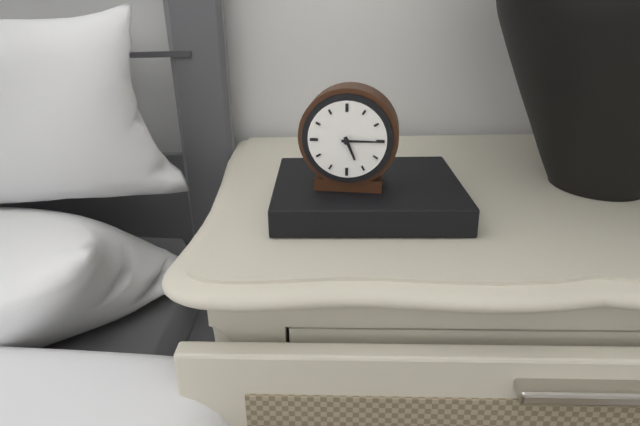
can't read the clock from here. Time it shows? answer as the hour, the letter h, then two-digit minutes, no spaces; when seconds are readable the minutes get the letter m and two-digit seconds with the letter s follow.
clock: 5h15
